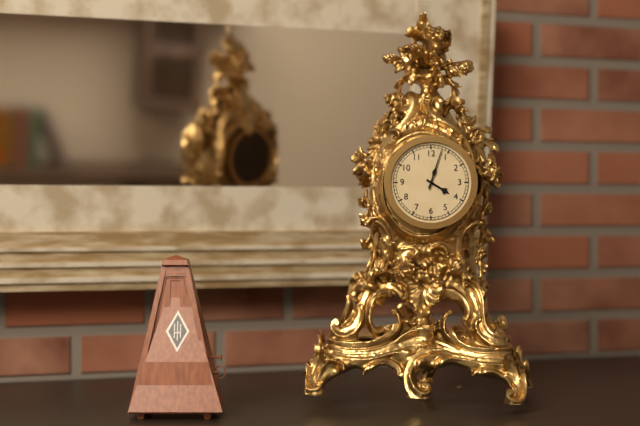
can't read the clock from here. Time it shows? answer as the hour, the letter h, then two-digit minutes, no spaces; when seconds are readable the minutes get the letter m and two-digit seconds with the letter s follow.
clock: 4h03
